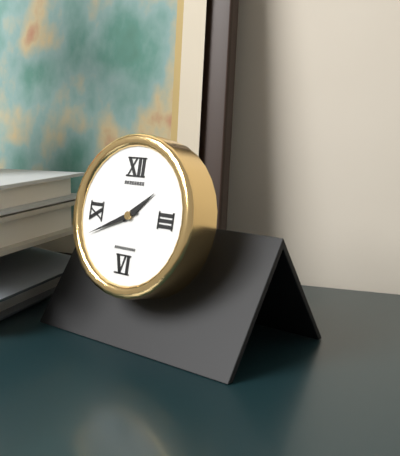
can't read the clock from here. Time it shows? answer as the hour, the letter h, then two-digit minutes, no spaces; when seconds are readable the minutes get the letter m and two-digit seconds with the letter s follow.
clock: 1h41
